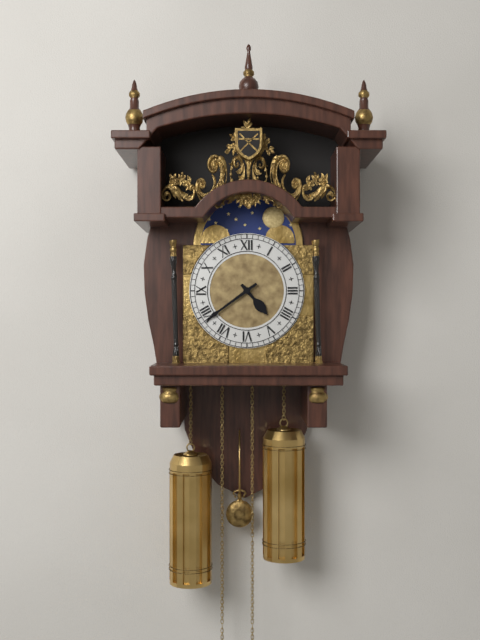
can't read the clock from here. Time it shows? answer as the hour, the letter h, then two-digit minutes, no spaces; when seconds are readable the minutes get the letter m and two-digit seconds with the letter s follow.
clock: 4h39
